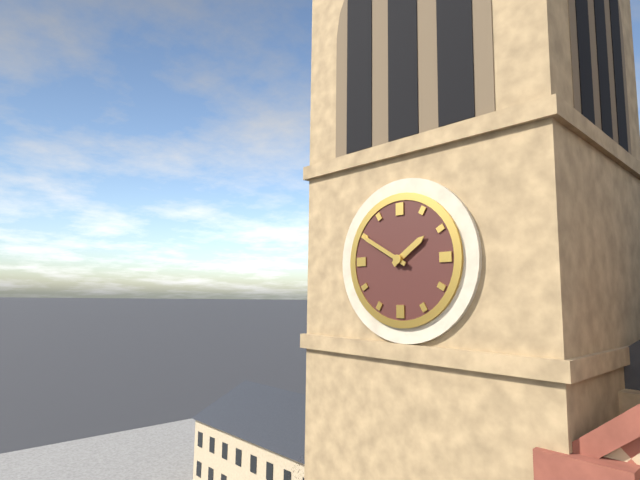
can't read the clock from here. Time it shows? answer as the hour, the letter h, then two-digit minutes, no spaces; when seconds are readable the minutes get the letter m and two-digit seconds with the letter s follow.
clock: 1h50
